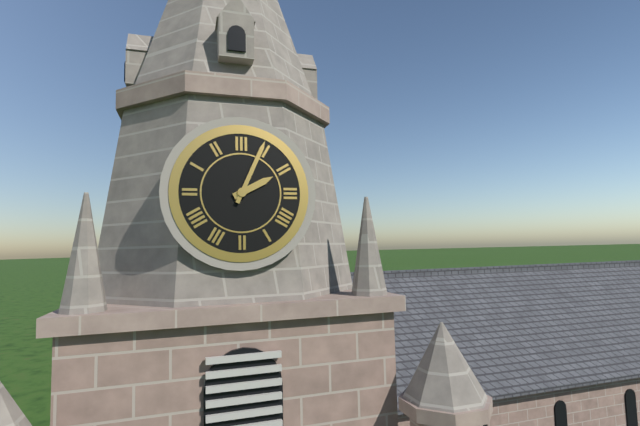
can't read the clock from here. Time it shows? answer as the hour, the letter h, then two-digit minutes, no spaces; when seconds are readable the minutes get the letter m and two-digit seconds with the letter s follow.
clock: 2h04
